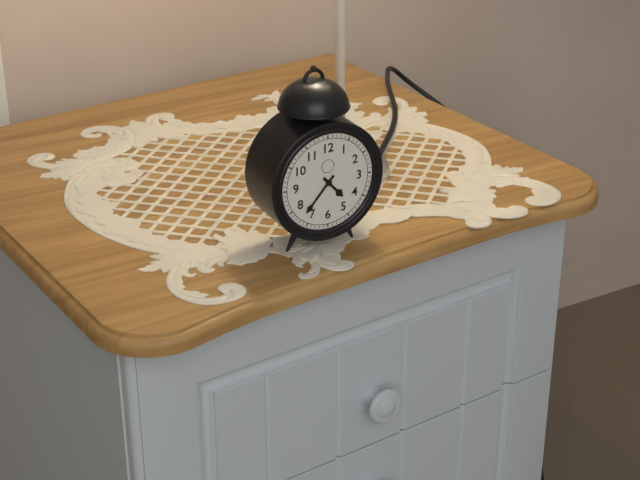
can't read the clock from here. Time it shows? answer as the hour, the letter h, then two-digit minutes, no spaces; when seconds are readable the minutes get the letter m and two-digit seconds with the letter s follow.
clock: 4h37
